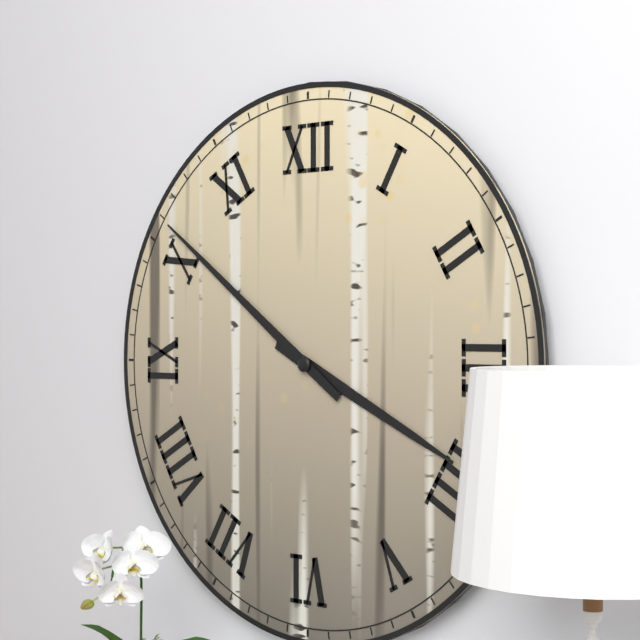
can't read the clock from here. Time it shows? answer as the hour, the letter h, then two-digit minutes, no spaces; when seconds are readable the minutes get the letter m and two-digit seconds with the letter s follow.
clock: 3h51
